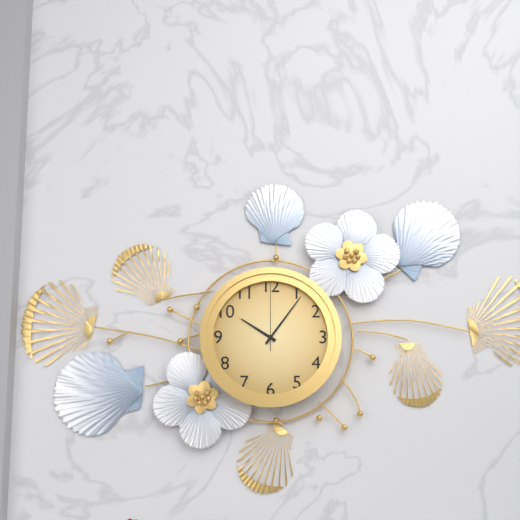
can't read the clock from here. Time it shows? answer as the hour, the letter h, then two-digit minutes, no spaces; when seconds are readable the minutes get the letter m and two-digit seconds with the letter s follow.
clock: 10h06m00s
